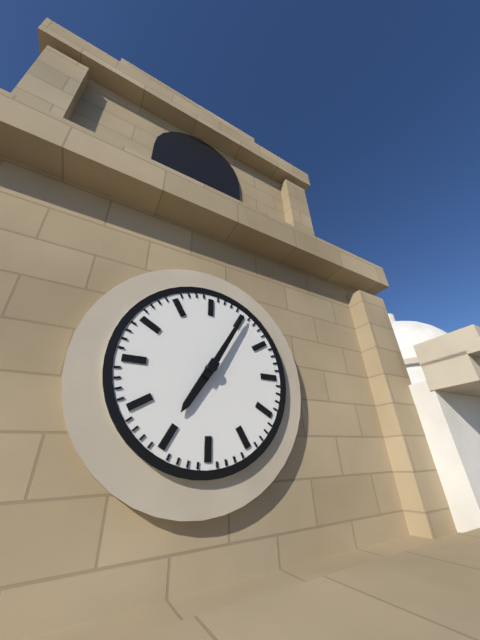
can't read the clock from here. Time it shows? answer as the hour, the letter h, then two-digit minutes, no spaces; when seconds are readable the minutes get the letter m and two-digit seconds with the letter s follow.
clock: 7h05
